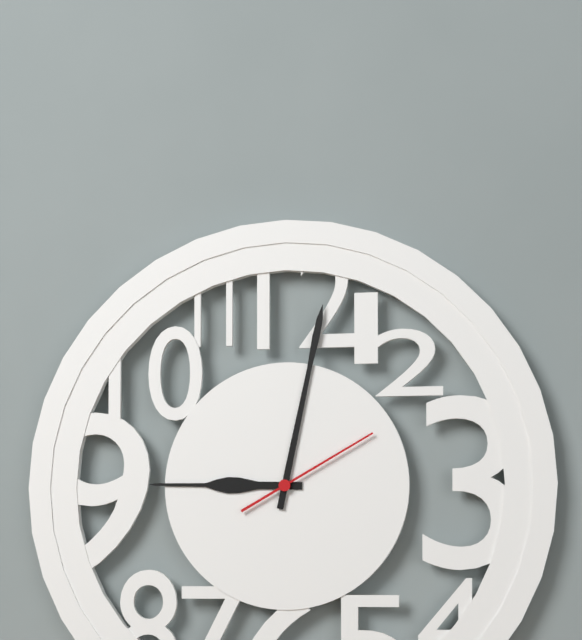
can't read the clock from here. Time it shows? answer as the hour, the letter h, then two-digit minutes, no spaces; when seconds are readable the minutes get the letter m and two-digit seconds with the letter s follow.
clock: 9h02m10s
